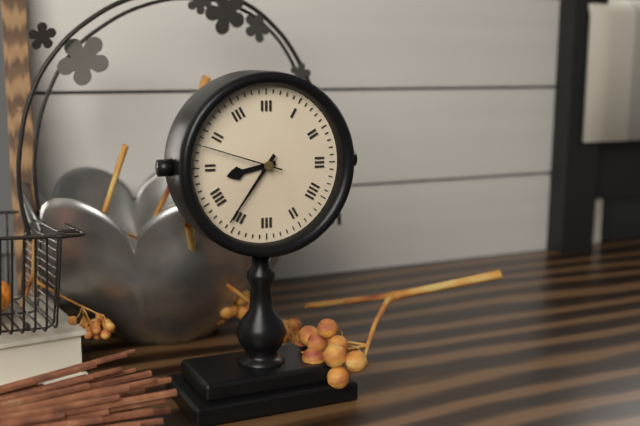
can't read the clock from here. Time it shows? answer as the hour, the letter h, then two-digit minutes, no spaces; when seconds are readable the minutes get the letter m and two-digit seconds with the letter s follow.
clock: 8h36m48s
